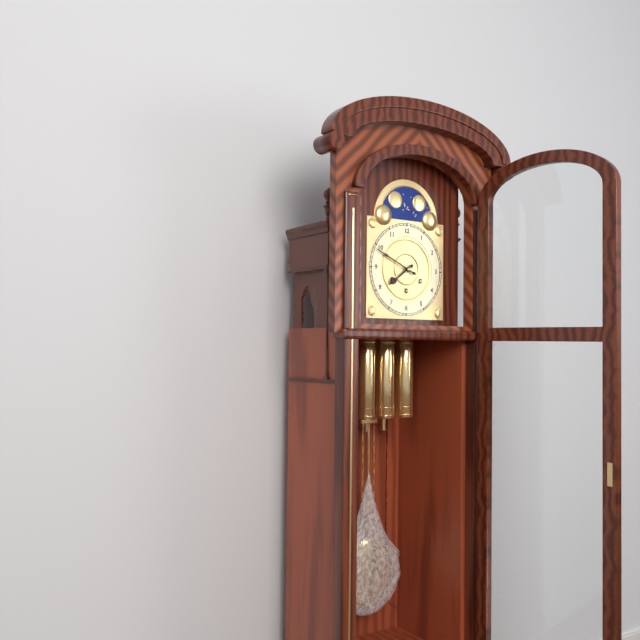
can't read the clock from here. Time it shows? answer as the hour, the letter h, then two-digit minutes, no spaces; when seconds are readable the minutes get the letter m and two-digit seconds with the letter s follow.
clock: 7h49
